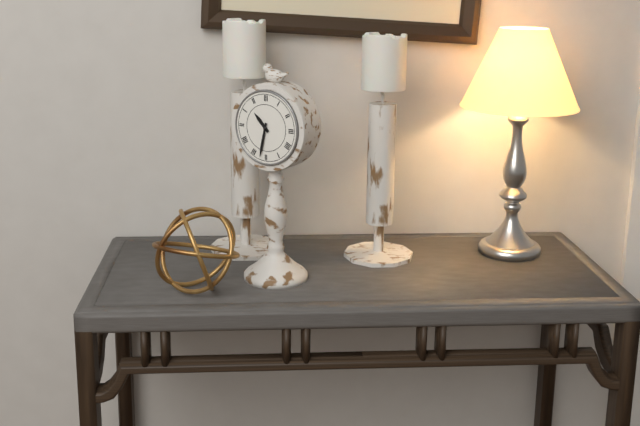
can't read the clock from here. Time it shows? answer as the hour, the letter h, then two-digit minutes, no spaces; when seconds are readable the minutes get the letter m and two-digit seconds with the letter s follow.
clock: 10h32
